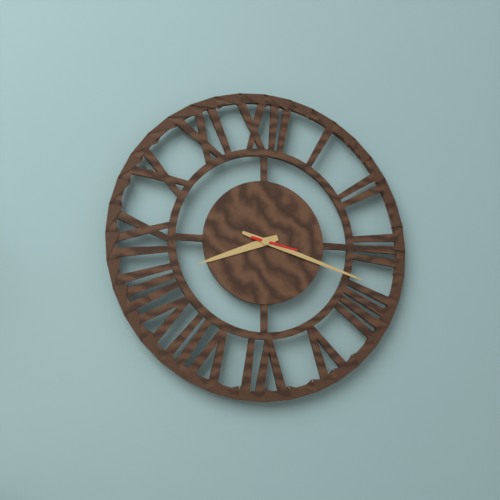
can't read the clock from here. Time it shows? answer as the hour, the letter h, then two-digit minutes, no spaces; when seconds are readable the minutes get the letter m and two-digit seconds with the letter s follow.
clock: 8h18
